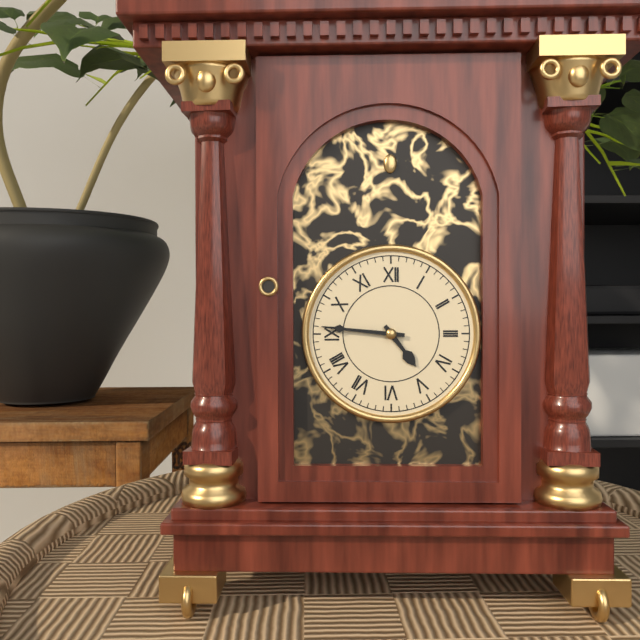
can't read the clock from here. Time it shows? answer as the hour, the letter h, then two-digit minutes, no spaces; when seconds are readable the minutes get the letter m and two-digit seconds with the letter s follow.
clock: 4h46
